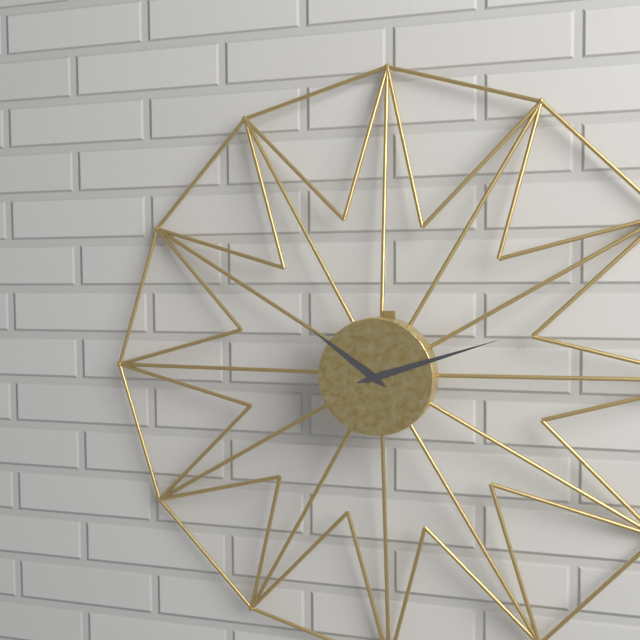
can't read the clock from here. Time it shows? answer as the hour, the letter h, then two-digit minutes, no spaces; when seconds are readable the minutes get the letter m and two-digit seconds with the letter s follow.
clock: 10h12
